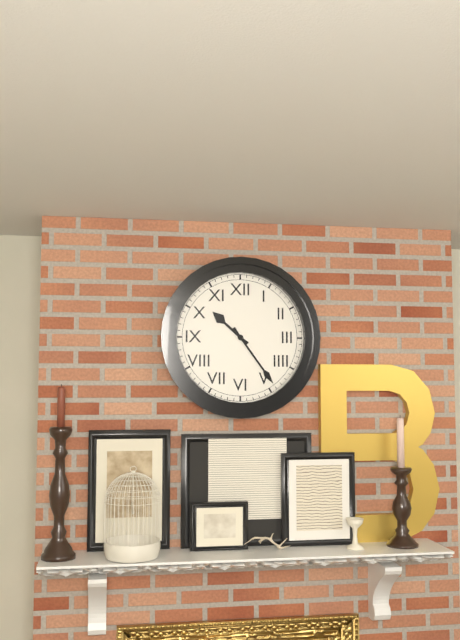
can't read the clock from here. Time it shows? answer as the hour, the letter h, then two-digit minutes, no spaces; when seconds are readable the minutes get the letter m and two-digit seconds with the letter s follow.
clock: 10h24
